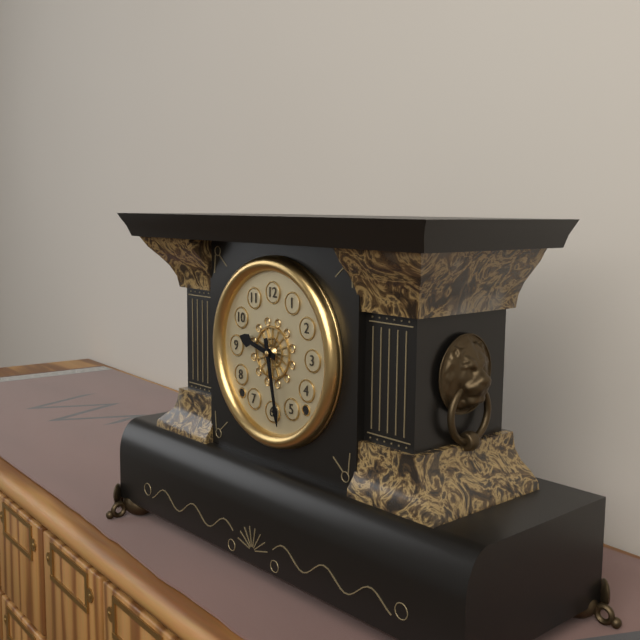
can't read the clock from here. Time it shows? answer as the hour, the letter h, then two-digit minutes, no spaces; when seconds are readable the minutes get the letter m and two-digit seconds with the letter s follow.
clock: 9h28
